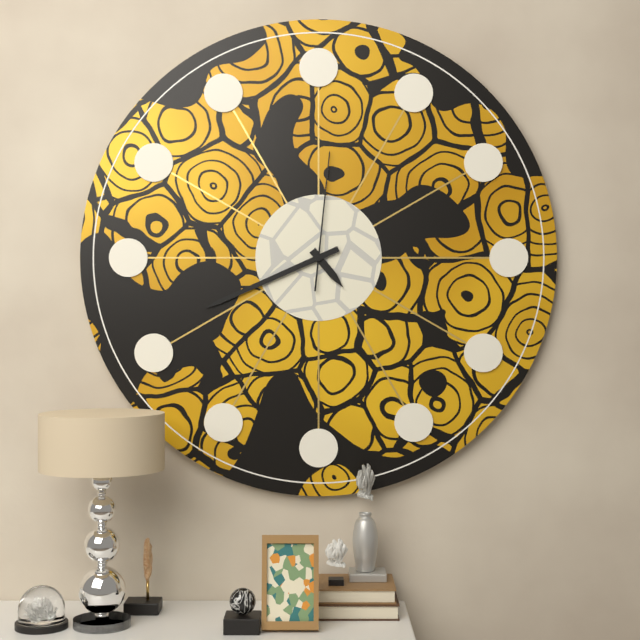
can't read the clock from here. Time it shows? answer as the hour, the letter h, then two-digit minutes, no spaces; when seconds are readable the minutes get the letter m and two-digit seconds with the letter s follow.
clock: 4h41m01s
